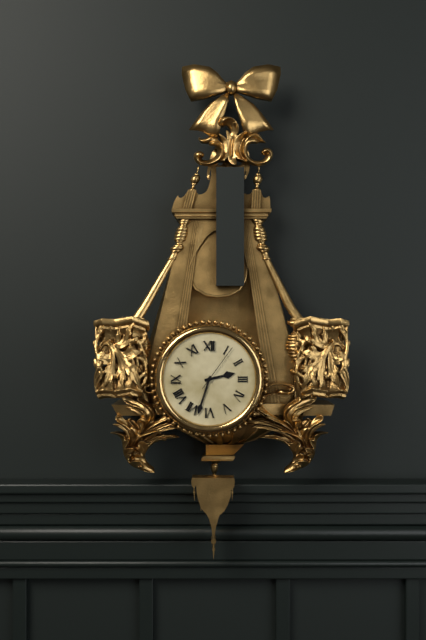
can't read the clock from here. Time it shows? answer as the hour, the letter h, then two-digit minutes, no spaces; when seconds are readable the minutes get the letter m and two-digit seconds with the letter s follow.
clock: 2h33
